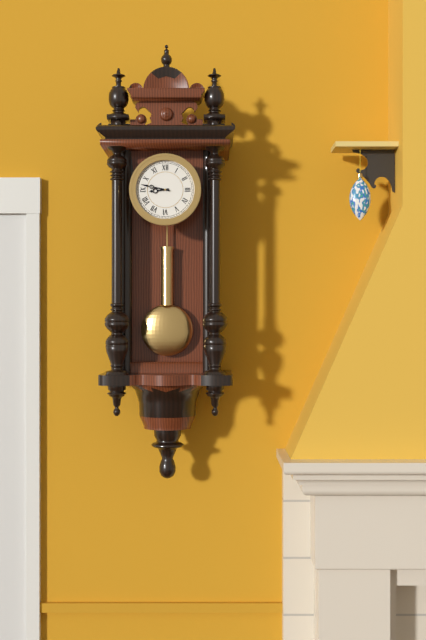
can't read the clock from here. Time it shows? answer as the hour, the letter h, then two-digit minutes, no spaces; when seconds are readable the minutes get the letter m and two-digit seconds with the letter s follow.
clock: 8h47
